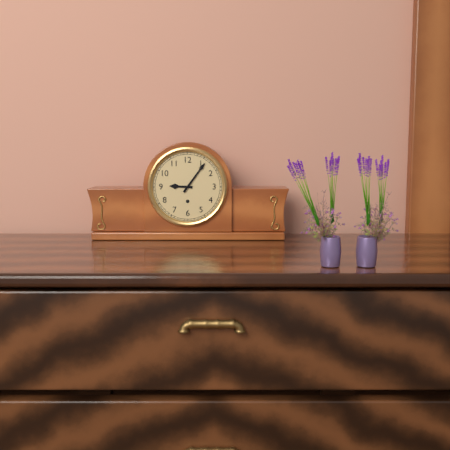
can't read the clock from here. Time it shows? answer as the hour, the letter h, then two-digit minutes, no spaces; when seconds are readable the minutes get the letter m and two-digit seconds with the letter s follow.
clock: 9h06
